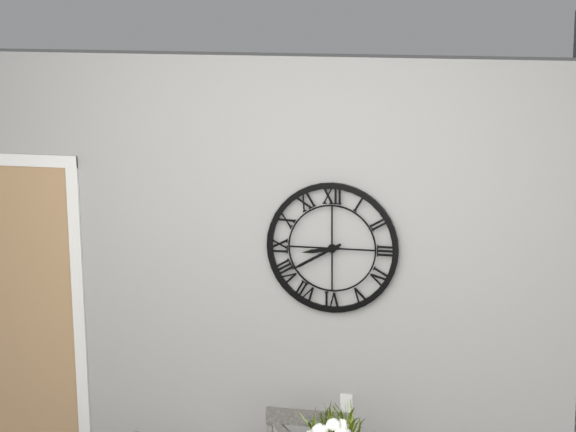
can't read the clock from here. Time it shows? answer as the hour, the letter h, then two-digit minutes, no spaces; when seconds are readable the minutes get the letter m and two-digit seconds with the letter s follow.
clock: 8h40
